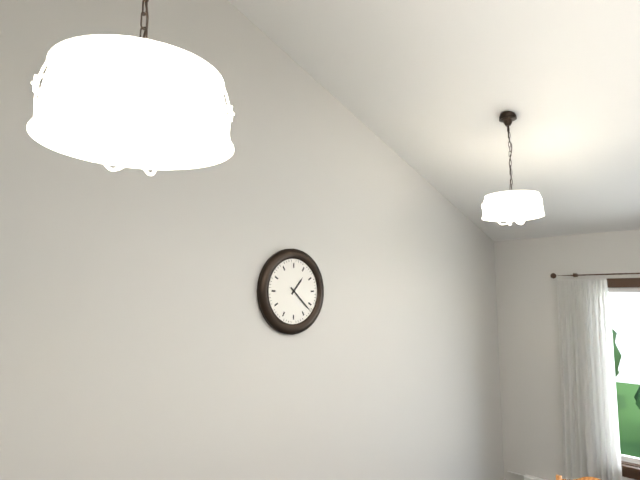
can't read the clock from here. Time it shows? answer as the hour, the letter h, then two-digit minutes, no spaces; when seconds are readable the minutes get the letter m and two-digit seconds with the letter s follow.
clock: 1h22
